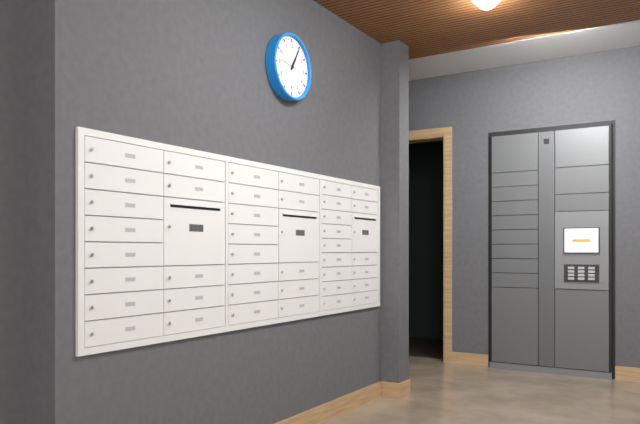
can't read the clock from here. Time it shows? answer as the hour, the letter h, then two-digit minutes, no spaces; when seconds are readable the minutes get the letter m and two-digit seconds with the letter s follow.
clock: 1h05
